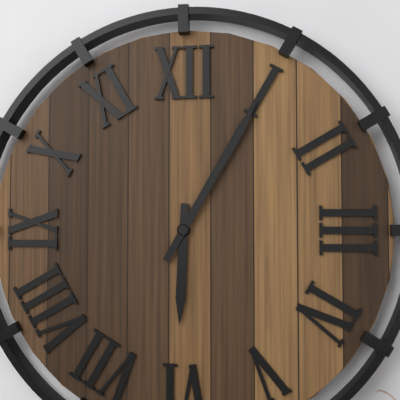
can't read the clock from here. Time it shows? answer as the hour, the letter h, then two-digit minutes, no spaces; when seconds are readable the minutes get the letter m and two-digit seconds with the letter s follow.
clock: 6h05
